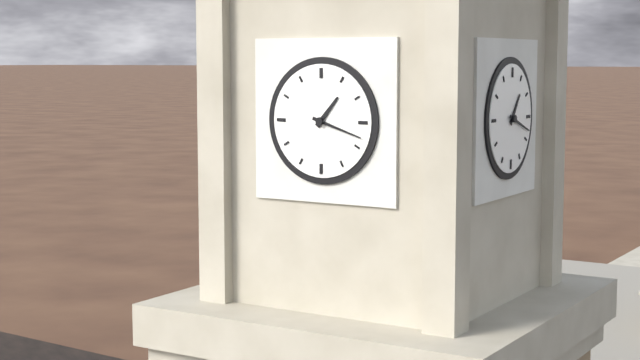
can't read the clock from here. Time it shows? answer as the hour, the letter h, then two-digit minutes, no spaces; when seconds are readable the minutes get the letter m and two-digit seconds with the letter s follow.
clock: 1h18
